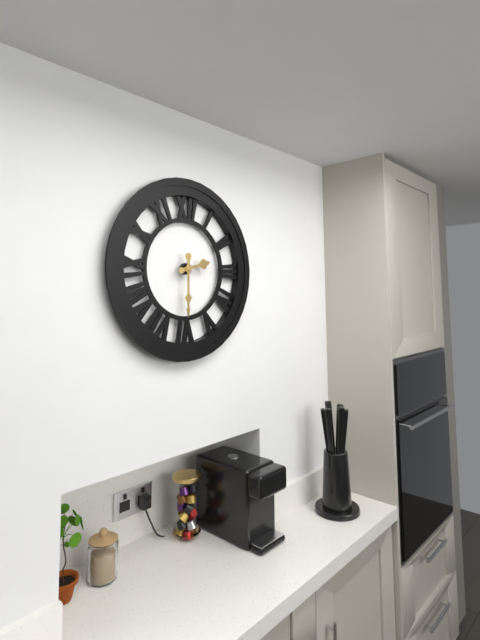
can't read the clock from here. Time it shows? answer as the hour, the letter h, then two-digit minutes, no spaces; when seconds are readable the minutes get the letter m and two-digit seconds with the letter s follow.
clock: 2h30
